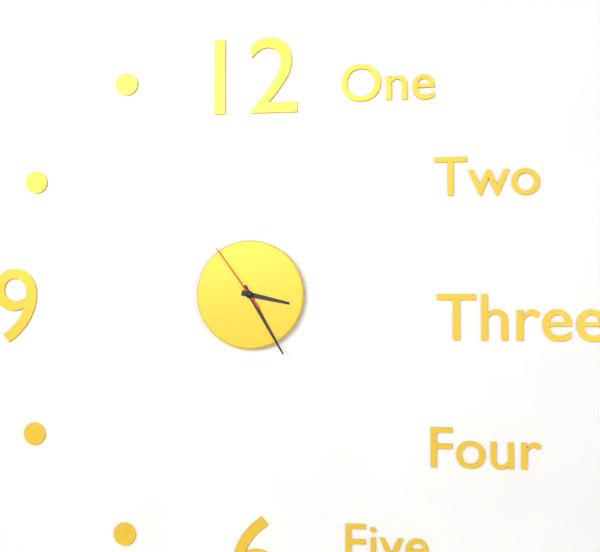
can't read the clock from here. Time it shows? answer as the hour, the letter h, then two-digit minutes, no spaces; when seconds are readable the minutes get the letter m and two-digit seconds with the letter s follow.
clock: 3h25m54s
